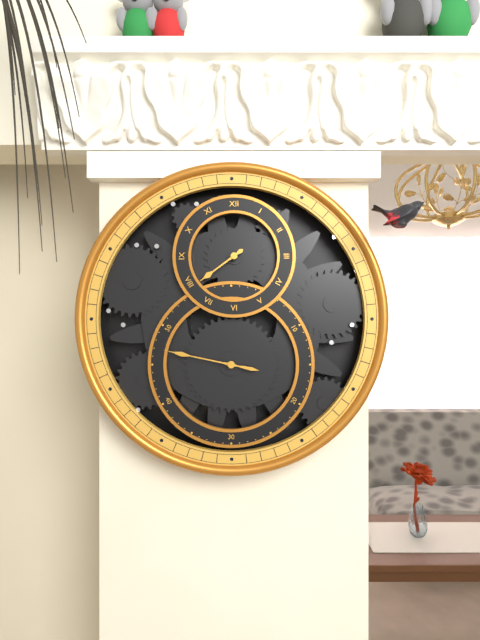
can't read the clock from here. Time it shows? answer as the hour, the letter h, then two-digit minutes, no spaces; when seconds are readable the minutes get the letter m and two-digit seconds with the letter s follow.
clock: 7h47
